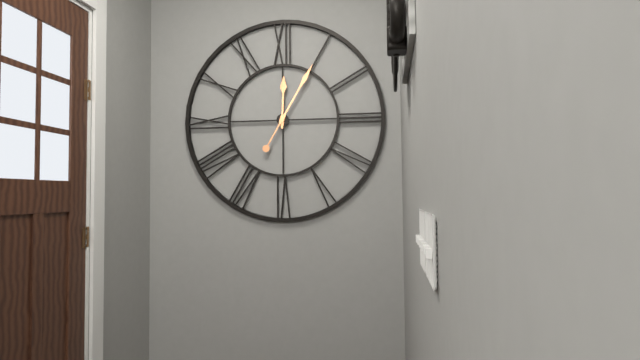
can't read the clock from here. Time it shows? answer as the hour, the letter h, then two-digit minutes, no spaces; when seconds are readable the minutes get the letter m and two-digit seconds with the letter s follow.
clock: 12h05
